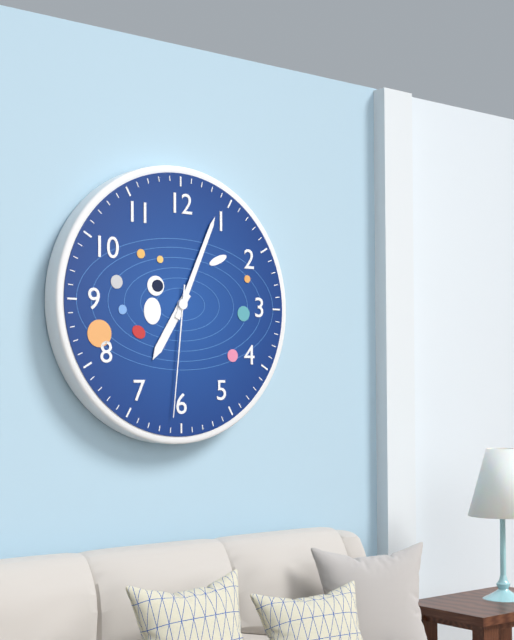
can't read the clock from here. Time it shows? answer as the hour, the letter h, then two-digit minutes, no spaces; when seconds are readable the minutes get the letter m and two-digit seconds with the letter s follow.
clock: 7h04m31s
